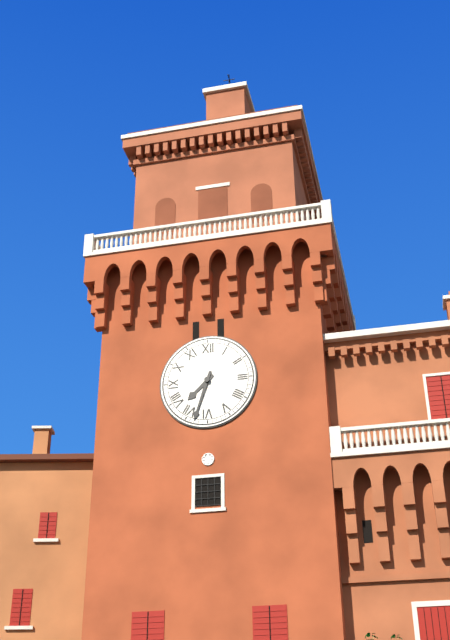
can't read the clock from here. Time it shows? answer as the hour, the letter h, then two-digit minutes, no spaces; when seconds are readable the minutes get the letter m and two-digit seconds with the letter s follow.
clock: 7h33
